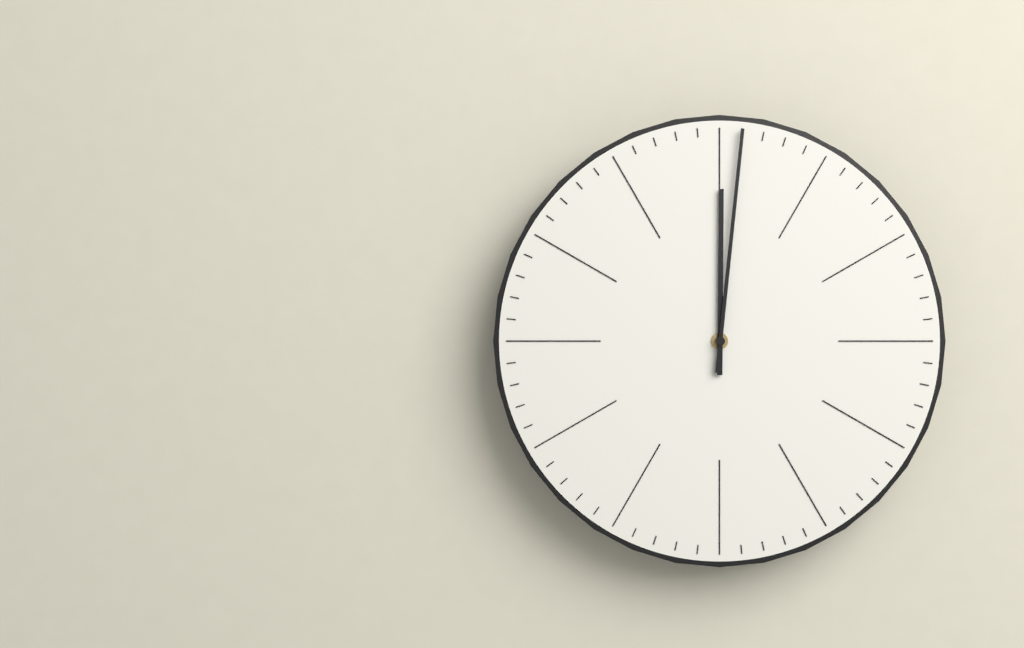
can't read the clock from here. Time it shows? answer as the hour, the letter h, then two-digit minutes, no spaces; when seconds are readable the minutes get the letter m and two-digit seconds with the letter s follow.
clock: 12h01
